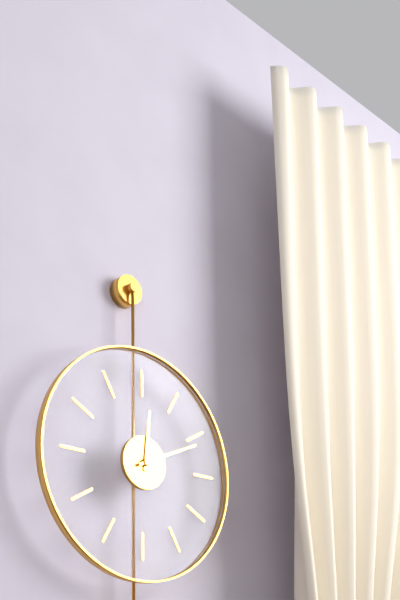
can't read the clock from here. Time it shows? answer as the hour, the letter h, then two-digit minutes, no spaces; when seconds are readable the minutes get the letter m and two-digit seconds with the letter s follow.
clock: 12h11
